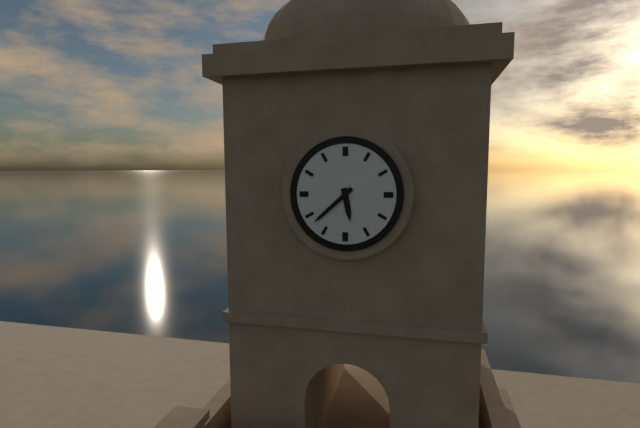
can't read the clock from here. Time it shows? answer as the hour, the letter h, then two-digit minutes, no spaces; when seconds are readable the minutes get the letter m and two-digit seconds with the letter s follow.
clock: 5h38
